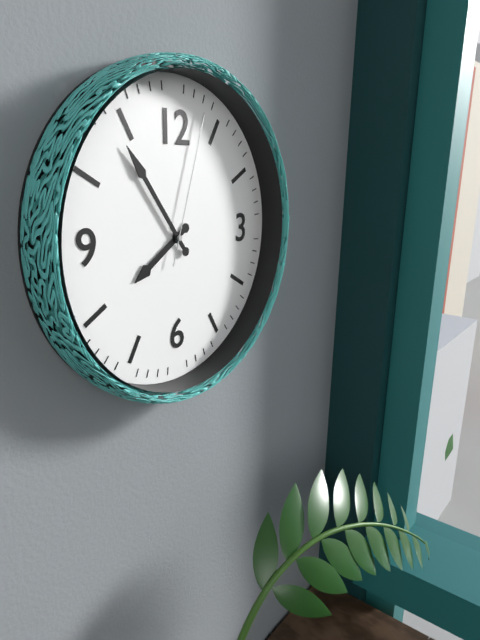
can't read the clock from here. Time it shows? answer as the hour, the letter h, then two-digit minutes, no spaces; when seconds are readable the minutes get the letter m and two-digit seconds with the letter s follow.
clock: 7h54m03s
